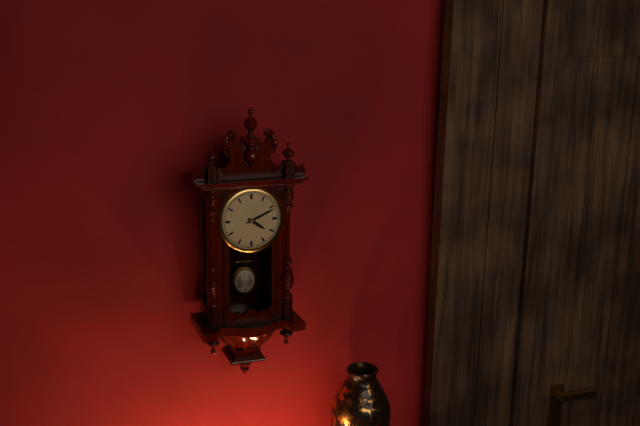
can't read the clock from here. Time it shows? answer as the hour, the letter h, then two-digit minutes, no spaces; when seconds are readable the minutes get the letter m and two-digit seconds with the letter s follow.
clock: 4h11
